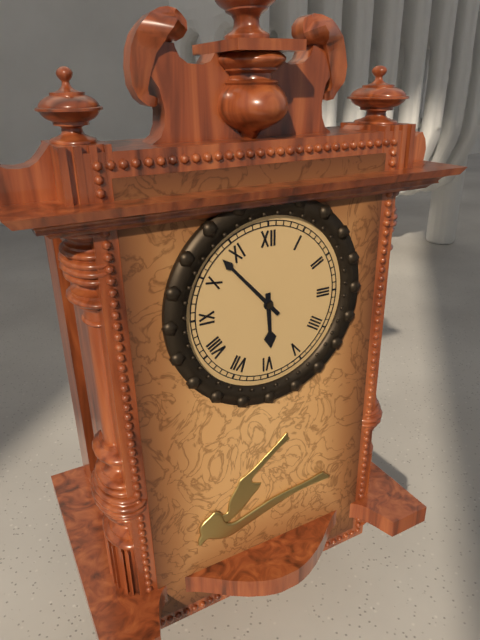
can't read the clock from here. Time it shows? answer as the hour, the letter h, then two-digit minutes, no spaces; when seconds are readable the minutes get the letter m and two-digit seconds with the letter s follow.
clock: 5h53
